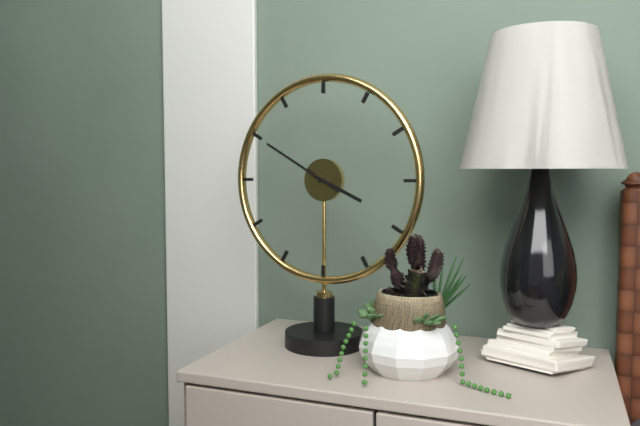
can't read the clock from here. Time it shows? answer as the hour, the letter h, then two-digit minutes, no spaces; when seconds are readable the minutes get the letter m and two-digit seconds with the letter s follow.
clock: 3h50
